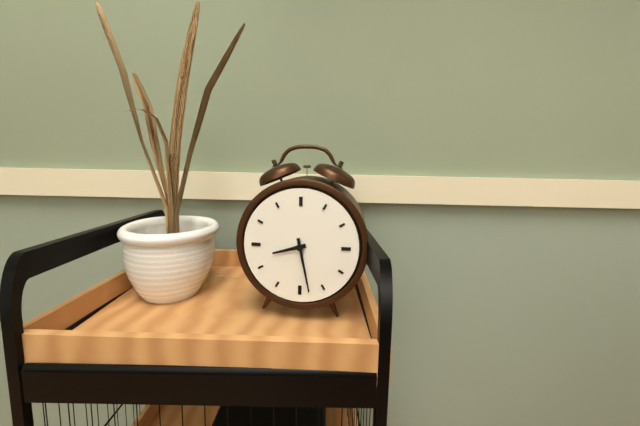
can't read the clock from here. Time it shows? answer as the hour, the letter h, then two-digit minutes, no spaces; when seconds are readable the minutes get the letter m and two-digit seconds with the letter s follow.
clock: 8h28
